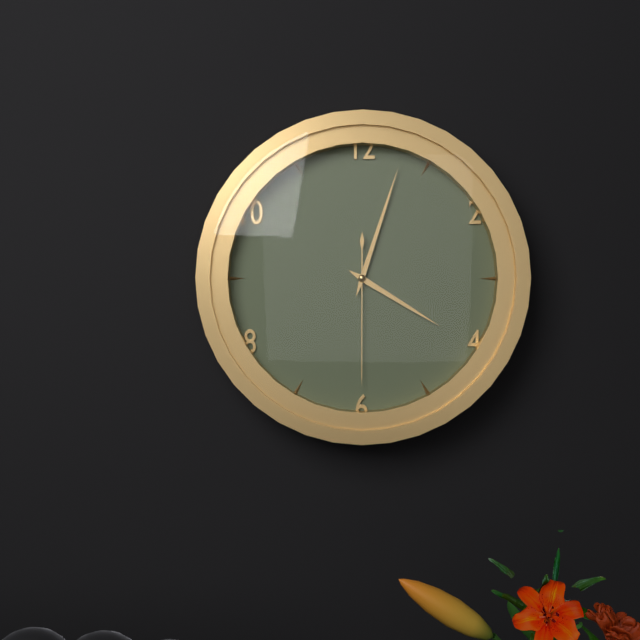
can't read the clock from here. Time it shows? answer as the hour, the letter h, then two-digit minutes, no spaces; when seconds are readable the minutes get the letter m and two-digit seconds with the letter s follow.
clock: 4h03m30s
